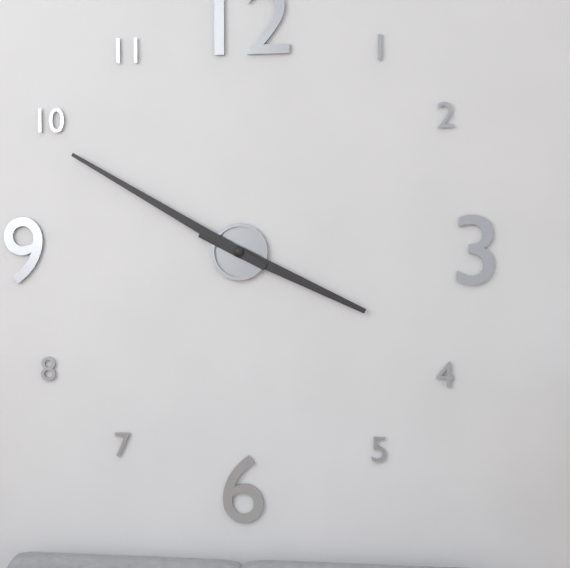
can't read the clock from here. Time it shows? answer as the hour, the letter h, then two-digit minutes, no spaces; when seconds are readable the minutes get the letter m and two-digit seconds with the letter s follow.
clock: 3h50
